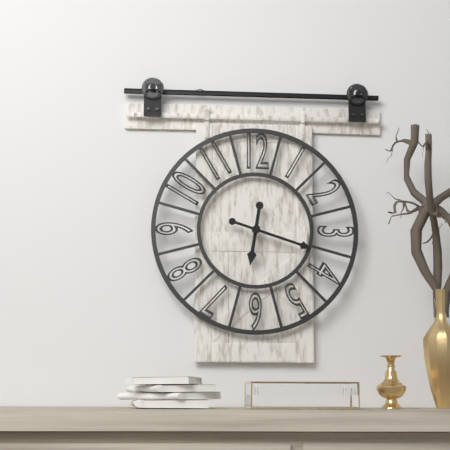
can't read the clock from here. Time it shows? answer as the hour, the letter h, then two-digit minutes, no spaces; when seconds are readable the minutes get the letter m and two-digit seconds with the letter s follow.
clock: 6h18
